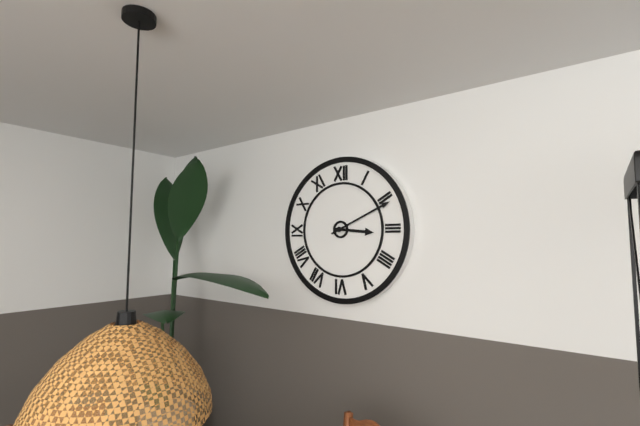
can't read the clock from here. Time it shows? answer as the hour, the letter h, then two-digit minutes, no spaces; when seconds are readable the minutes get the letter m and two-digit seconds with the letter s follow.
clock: 3h11
